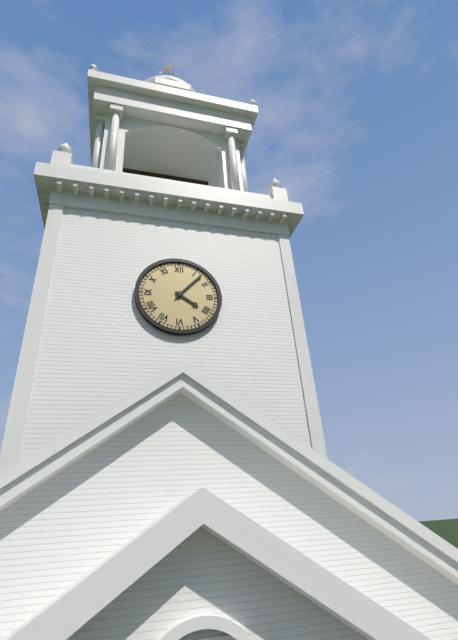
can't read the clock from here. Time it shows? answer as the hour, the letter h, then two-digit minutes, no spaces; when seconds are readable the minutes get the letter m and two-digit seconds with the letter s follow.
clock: 4h07
